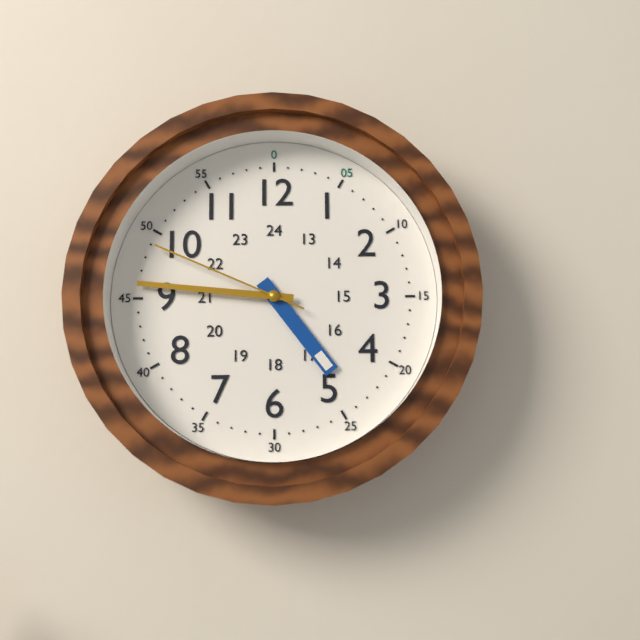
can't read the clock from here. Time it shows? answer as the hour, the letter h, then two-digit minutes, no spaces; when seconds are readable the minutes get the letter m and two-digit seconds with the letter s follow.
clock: 4h46m49s
